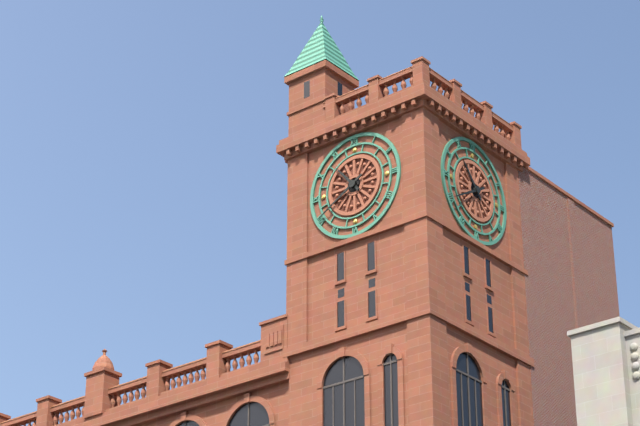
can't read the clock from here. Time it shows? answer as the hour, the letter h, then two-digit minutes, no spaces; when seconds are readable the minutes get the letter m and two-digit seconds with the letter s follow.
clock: 10h40
